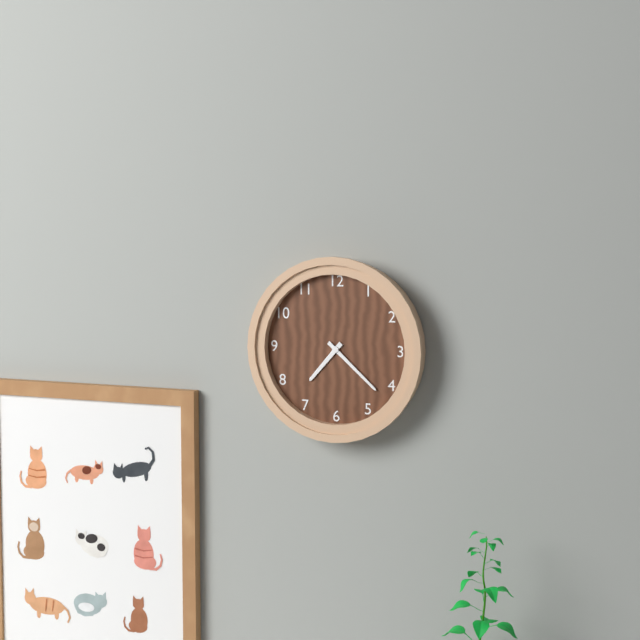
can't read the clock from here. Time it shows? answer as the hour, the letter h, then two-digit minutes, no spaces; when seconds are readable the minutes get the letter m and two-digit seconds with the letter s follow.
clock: 7h22
